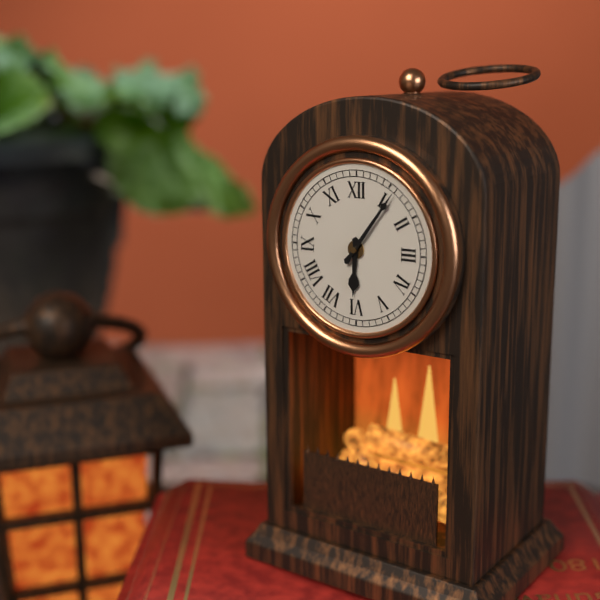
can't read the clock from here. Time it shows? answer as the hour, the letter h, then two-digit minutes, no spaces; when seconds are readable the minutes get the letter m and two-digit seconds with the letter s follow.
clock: 6h06
